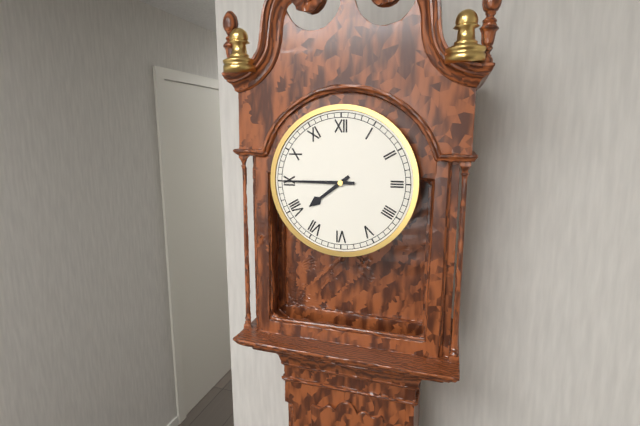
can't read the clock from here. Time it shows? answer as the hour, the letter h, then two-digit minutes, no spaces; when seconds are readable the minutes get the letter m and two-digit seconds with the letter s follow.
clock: 7h45
